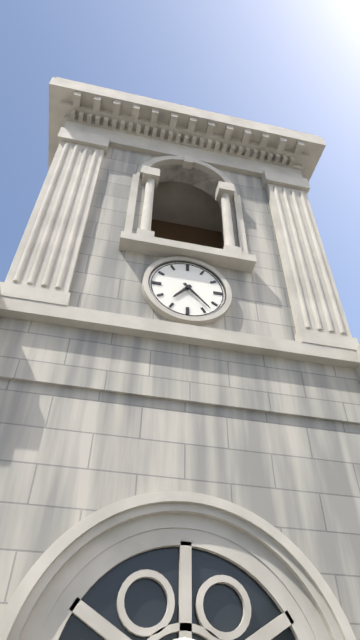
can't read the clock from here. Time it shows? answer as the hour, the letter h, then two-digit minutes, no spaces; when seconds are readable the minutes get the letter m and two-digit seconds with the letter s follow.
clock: 7h23
